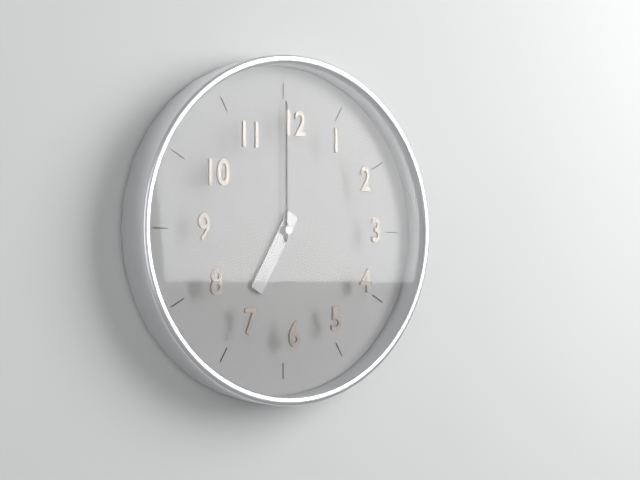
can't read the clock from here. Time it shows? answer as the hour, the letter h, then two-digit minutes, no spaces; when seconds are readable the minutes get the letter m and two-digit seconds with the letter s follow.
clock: 7h00
